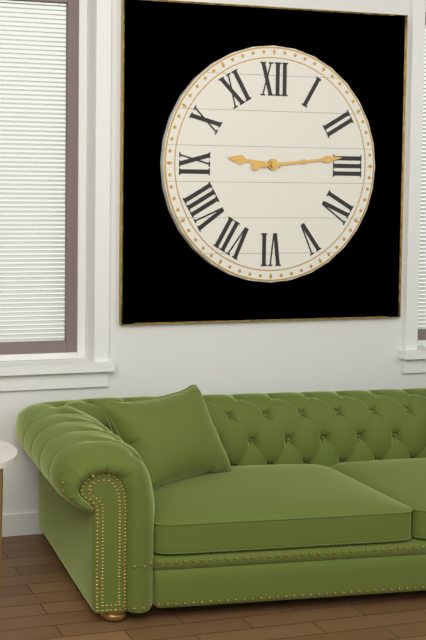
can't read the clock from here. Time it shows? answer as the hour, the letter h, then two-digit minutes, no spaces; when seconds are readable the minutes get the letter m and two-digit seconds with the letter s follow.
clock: 9h14
